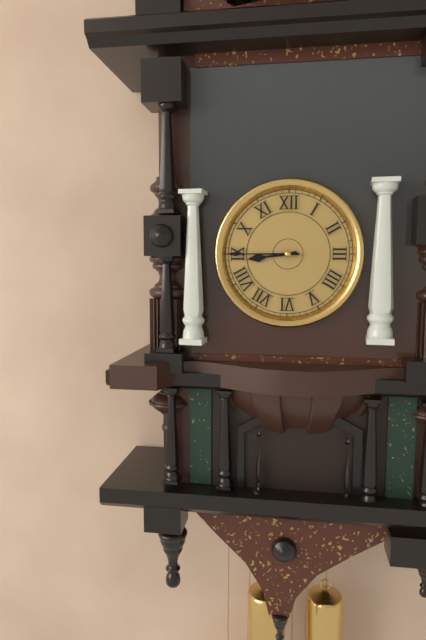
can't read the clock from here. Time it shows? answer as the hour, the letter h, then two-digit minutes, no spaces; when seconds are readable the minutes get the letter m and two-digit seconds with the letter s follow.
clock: 8h45
